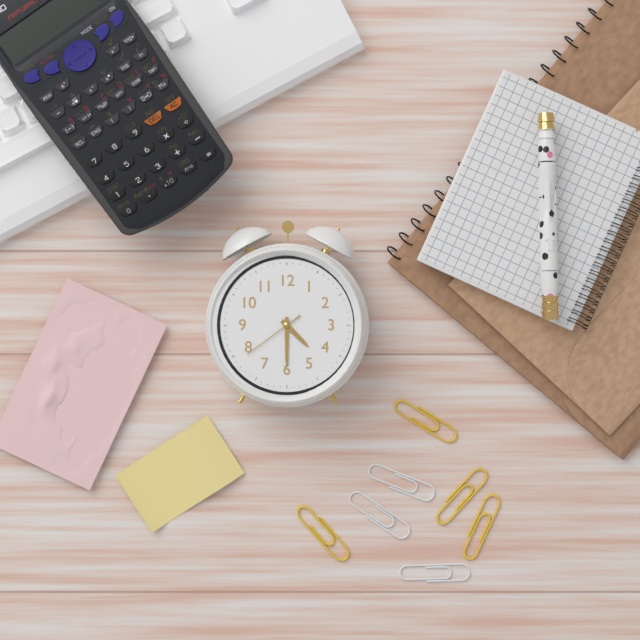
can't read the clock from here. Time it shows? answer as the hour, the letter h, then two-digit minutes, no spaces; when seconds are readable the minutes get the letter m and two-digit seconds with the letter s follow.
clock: 4h30m39s
